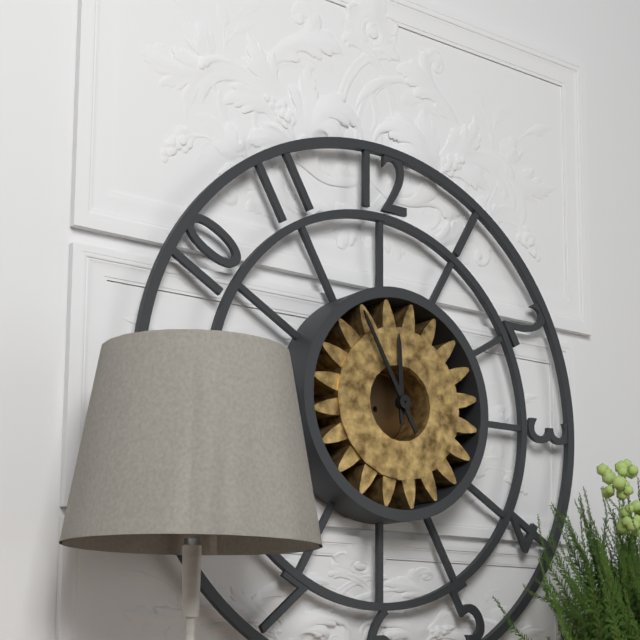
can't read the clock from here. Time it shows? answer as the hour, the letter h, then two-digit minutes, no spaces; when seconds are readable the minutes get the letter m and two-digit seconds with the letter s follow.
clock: 11h55
